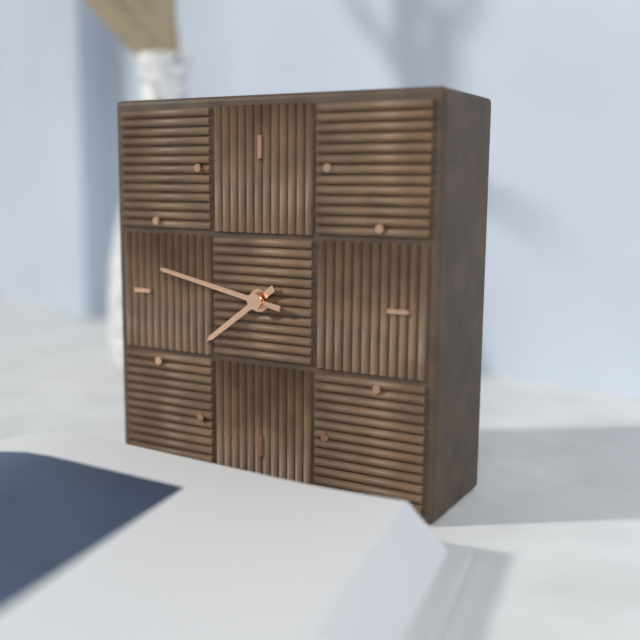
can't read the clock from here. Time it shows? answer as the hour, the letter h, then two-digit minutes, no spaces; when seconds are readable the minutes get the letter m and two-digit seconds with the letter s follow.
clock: 7h47
